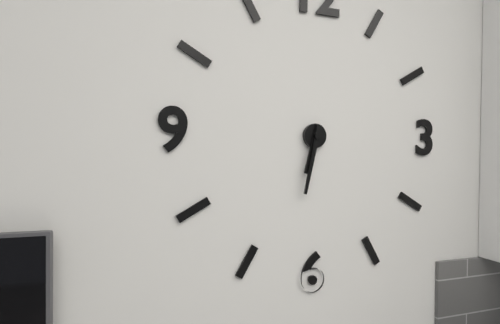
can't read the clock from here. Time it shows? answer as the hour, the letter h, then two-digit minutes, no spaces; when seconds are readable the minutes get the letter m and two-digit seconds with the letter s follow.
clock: 6h32
